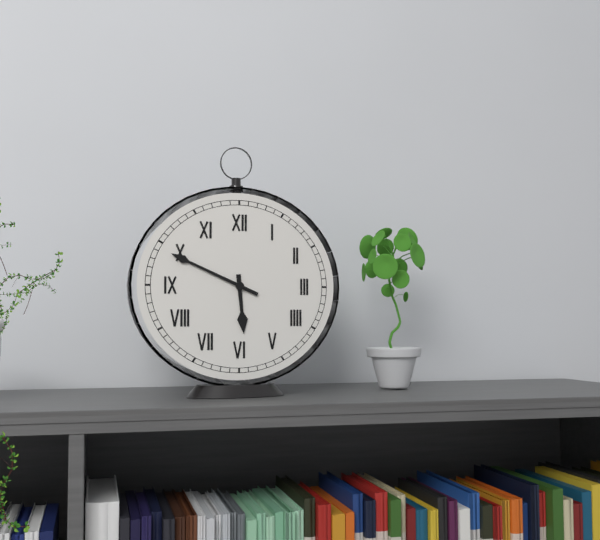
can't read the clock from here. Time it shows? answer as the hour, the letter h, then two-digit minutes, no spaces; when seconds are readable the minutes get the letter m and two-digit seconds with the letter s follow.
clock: 5h49
